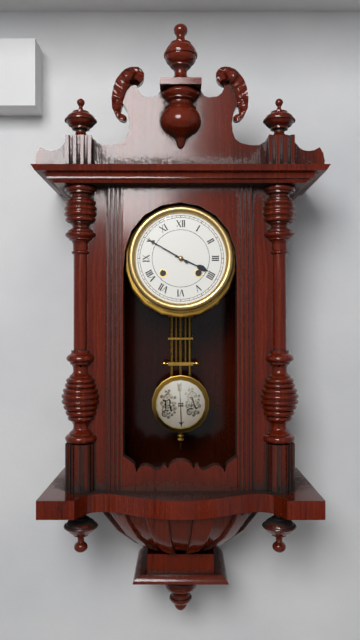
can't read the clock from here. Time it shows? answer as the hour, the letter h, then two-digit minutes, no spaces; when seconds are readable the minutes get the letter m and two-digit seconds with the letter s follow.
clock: 3h50
